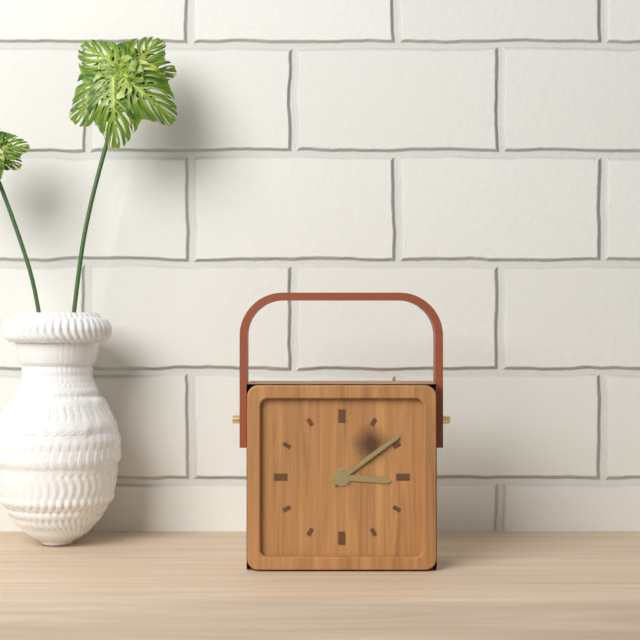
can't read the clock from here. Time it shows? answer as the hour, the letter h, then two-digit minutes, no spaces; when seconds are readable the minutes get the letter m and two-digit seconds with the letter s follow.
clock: 3h09
